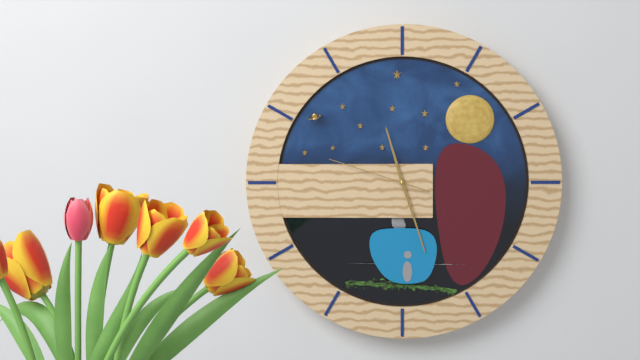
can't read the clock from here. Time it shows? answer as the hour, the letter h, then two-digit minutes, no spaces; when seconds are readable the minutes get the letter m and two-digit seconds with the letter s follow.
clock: 11h27m48s
